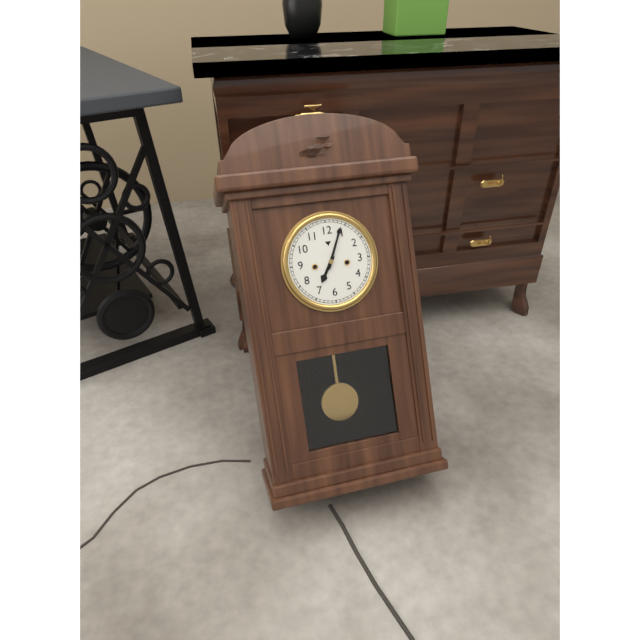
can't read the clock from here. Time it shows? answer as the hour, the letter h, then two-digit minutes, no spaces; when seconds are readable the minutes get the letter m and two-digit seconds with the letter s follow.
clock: 7h04
